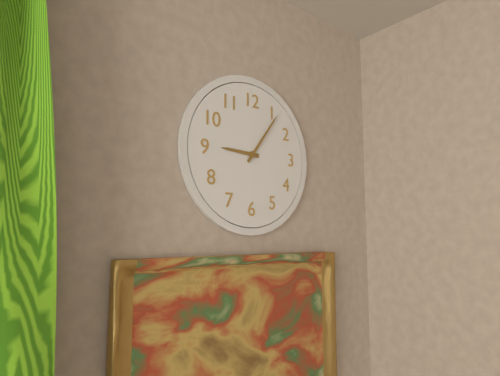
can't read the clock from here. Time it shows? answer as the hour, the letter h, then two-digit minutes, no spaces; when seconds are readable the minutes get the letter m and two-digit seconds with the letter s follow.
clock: 9h06
